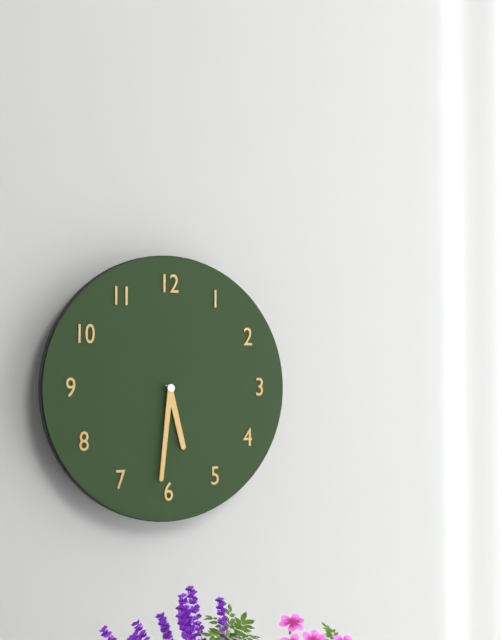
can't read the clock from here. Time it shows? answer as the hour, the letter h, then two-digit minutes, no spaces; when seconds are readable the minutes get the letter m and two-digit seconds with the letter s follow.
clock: 5h31
